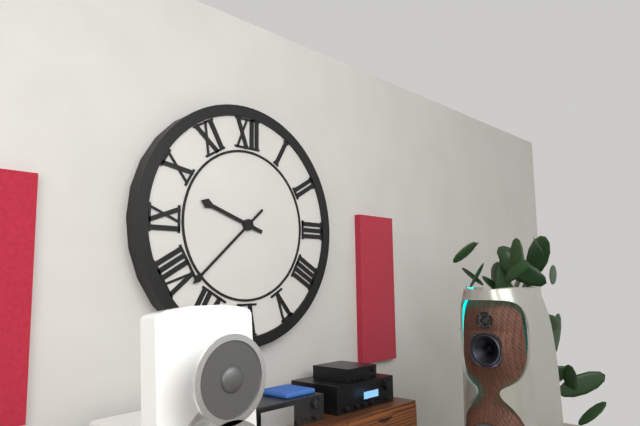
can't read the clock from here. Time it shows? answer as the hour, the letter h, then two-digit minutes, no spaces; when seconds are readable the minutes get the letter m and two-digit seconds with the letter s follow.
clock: 9h38
